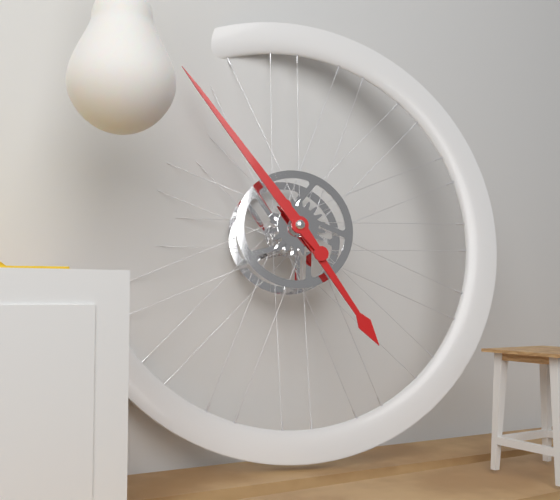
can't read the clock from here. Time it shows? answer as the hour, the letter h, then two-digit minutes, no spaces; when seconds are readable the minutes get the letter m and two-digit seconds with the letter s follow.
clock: 4h54
